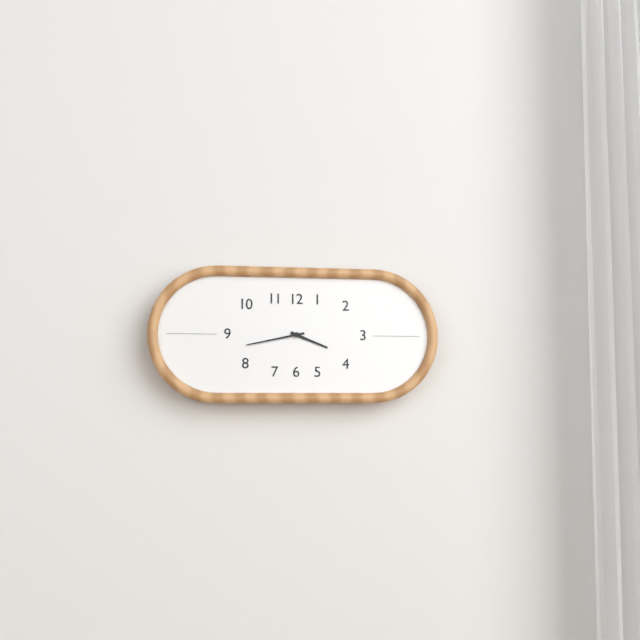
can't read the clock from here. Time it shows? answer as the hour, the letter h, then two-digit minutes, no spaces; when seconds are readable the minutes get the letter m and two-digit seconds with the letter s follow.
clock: 3h43
